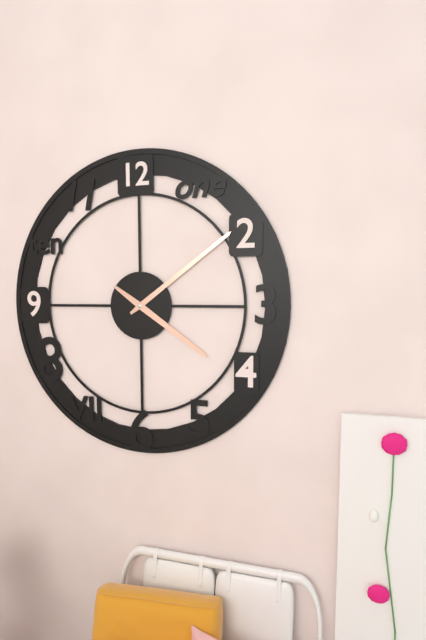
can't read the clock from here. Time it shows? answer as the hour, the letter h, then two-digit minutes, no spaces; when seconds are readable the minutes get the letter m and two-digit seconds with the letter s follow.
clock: 4h09
